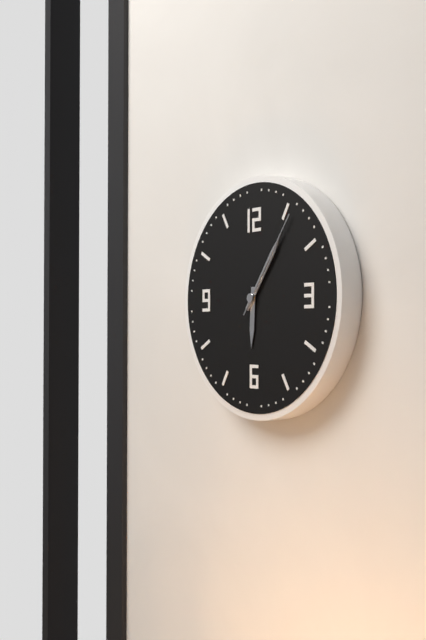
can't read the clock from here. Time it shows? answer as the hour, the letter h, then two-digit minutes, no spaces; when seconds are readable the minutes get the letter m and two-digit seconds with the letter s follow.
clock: 6h06m06s
